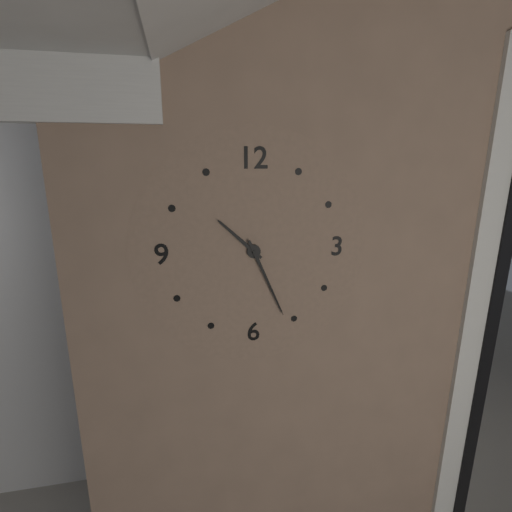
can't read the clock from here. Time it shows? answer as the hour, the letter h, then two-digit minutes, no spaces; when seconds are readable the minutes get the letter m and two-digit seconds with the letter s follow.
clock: 10h26
